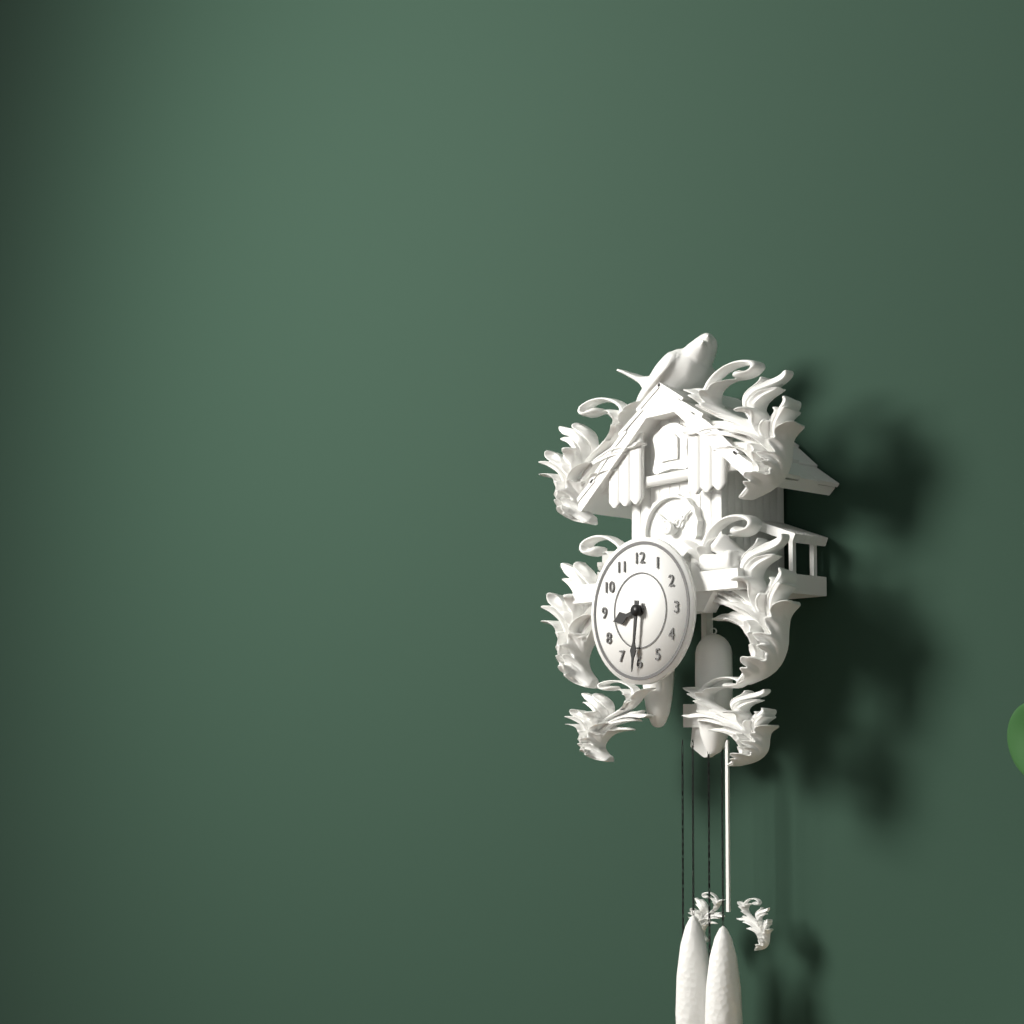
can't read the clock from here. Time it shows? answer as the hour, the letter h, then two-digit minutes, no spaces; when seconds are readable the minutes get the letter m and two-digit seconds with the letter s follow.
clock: 8h31
